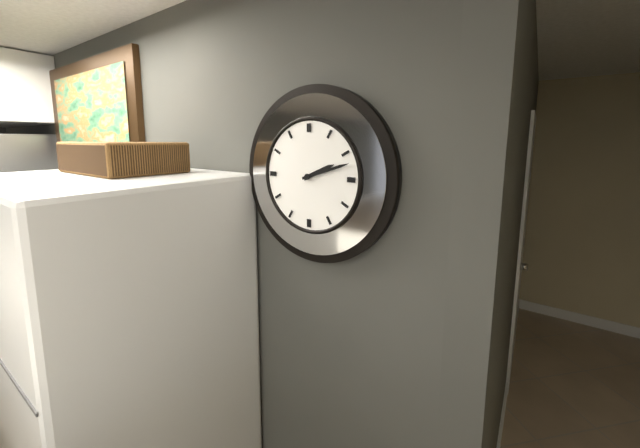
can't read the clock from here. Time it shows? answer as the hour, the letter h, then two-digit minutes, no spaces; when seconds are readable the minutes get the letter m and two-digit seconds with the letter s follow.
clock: 2h12
